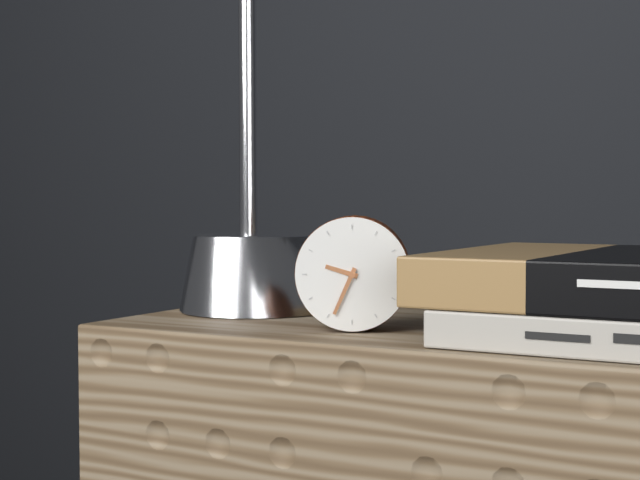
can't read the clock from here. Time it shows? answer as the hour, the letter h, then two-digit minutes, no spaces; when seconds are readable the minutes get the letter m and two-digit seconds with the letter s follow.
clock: 9h34
